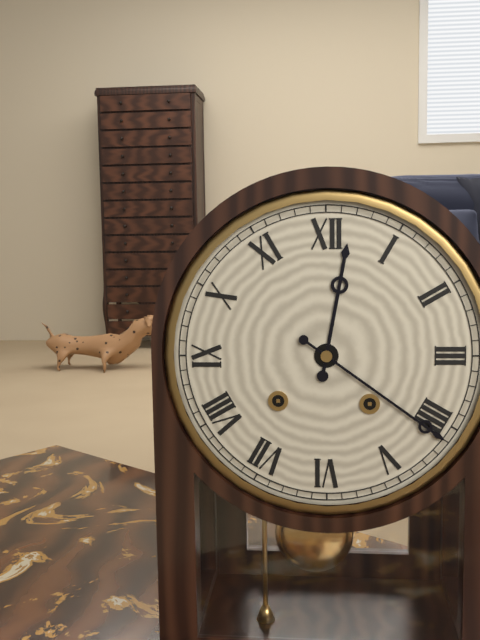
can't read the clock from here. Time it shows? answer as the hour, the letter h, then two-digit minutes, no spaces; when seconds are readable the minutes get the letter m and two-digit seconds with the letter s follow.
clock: 12h21
